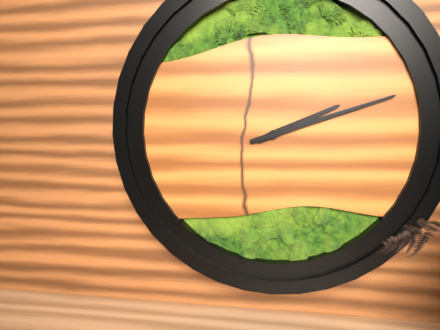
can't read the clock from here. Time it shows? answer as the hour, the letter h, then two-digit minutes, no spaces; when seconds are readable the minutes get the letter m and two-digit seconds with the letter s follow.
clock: 2h12
